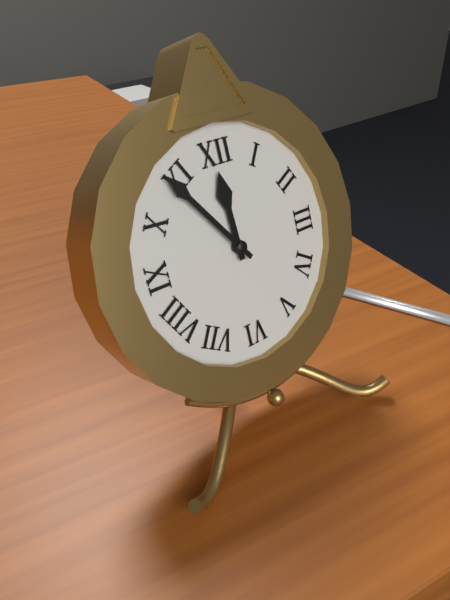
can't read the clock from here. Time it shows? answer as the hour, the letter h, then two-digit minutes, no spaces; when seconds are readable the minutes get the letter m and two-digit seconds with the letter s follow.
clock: 11h54
